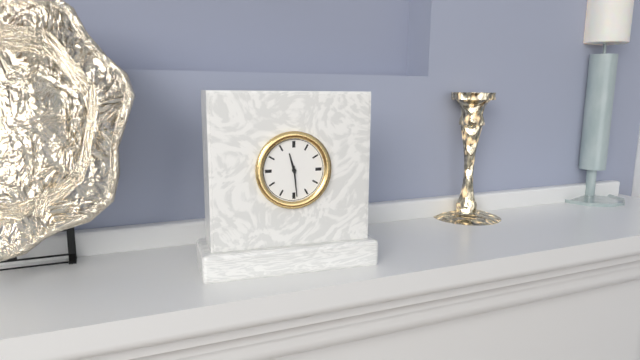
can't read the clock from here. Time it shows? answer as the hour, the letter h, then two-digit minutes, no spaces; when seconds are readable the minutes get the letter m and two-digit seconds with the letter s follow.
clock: 11h29
